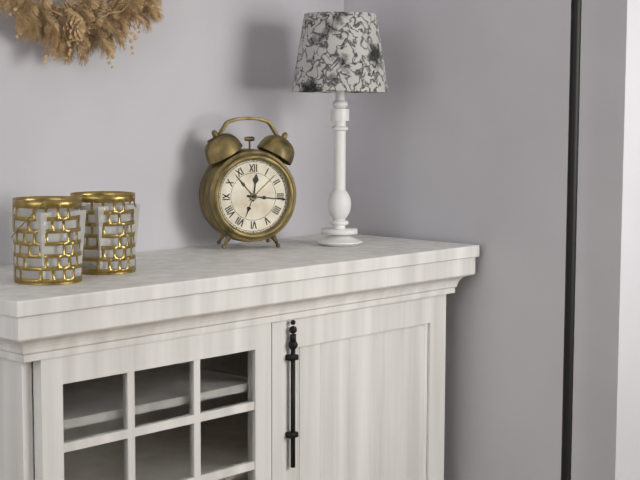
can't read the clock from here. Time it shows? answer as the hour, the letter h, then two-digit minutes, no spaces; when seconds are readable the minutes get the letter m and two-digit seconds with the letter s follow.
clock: 12h16
